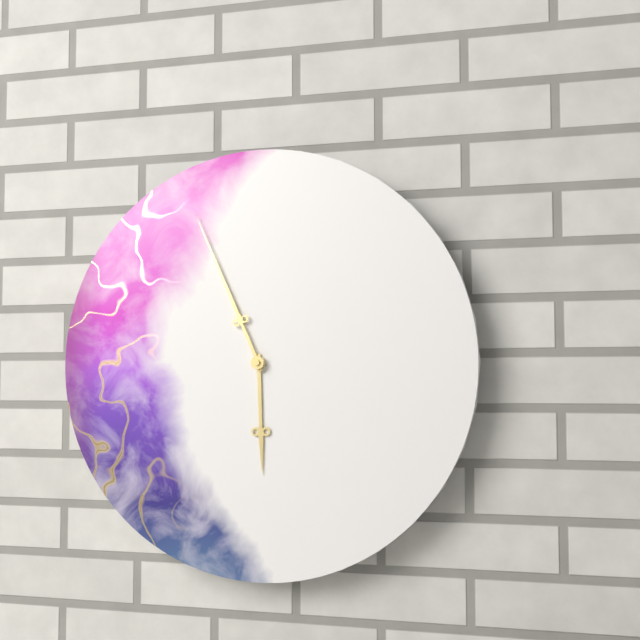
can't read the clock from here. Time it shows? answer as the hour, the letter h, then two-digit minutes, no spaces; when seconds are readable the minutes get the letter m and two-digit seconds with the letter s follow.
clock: 5h56
